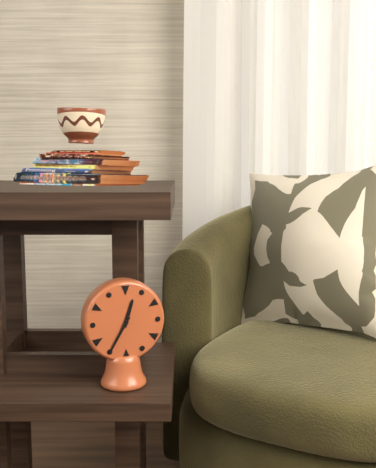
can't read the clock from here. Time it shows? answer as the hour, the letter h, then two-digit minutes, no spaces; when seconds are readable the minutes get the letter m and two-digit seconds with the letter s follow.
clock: 12h35
